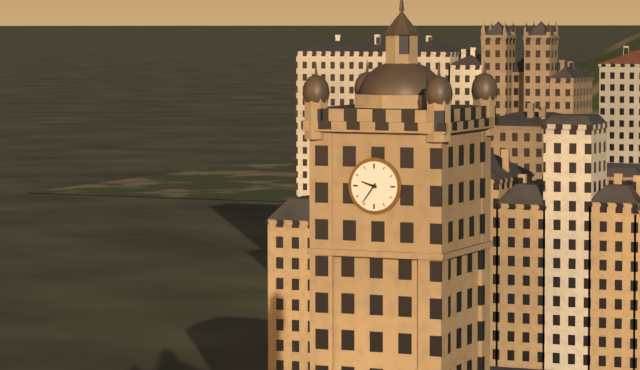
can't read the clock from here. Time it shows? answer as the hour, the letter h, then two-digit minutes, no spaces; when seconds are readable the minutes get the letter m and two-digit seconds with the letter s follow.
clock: 9h36
